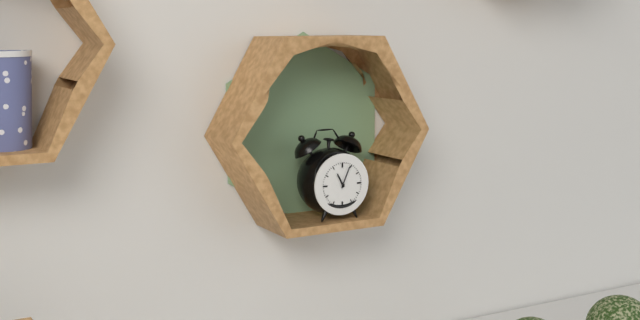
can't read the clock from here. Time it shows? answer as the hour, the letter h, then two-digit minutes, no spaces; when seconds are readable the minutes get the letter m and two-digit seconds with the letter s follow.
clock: 11h04
